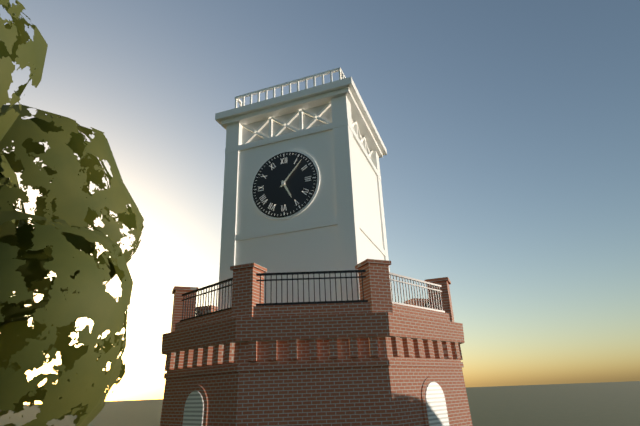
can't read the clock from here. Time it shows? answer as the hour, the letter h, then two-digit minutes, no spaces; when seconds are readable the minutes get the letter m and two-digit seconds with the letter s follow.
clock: 5h07
